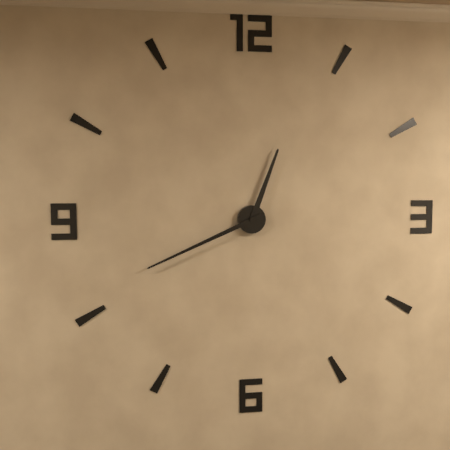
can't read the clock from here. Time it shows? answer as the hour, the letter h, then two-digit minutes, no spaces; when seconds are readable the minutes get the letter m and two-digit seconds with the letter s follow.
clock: 12h41
